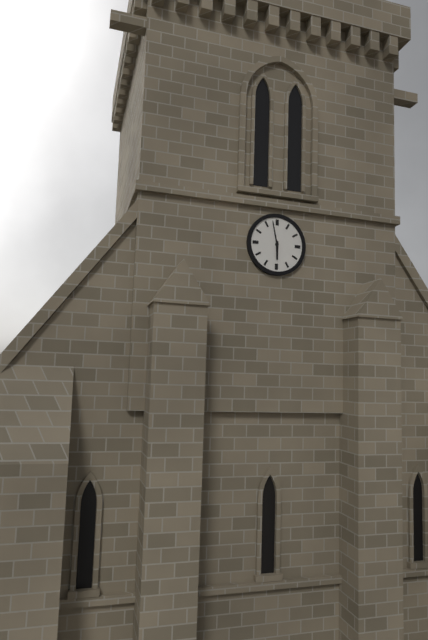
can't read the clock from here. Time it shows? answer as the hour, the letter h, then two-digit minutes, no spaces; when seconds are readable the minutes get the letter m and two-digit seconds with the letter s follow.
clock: 5h58
